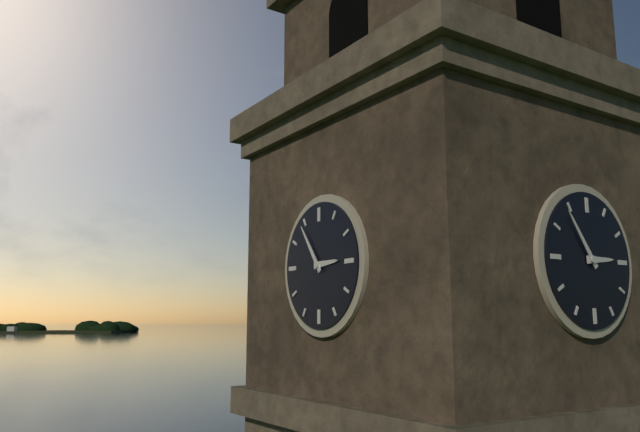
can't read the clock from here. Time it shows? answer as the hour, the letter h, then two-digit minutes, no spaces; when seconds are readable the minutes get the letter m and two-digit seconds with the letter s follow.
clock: 2h54
